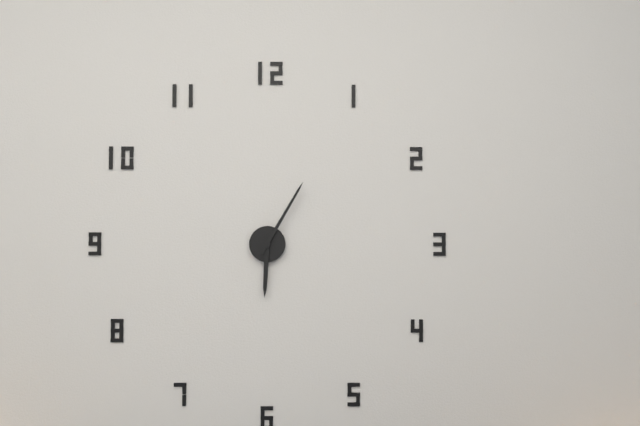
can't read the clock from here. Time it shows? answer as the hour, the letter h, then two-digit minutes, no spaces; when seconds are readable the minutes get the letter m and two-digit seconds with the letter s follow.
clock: 6h05
